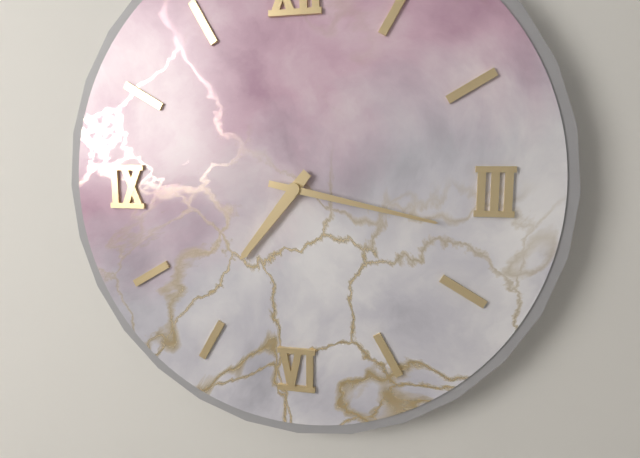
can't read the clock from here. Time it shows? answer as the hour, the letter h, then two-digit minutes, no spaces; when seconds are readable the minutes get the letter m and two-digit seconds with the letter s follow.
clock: 7h17
